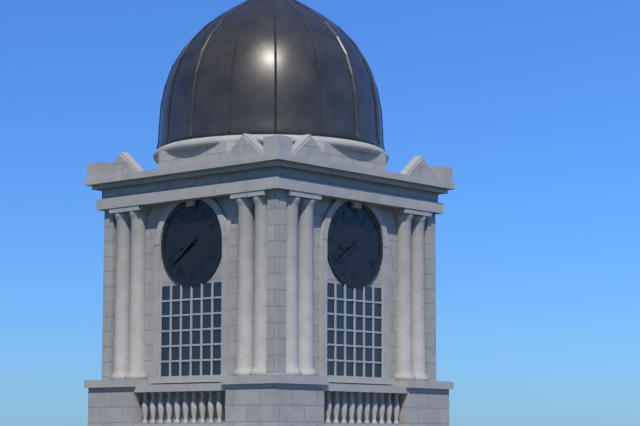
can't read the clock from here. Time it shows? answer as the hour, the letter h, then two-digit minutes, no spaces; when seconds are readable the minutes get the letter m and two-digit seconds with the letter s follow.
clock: 8h39
